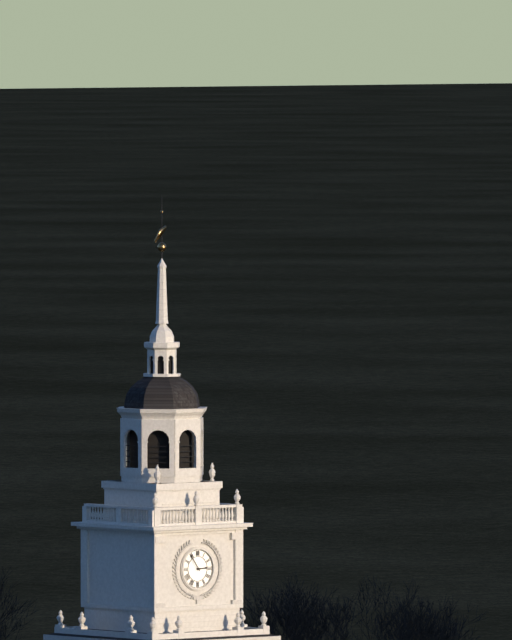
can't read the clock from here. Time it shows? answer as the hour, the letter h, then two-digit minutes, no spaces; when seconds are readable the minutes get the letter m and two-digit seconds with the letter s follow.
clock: 2h54
